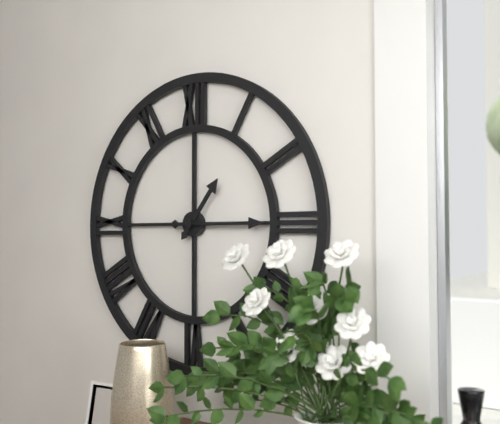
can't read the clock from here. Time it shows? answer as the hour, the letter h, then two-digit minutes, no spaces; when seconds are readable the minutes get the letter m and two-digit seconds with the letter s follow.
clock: 1h15
